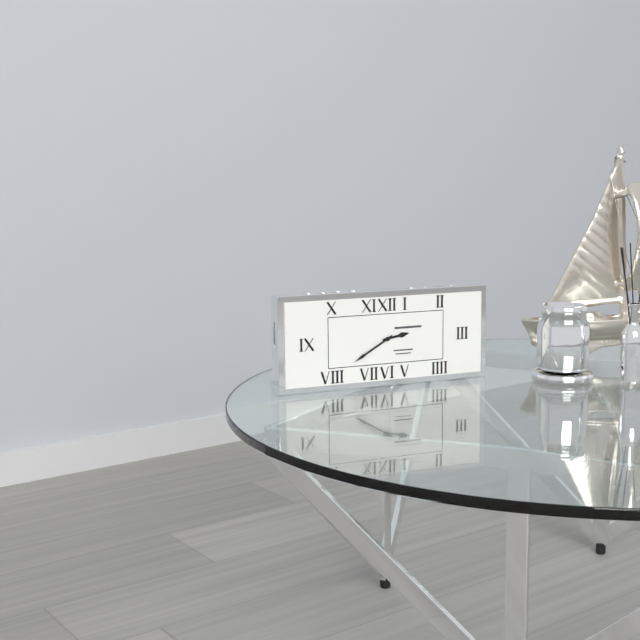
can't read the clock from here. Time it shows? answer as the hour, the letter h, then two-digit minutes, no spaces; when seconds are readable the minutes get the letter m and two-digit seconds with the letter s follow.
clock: 2h40
